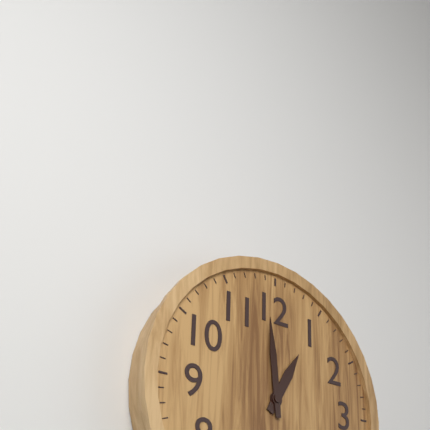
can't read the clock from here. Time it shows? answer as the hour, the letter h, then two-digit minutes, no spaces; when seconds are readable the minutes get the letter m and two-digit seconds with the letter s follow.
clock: 12h59
